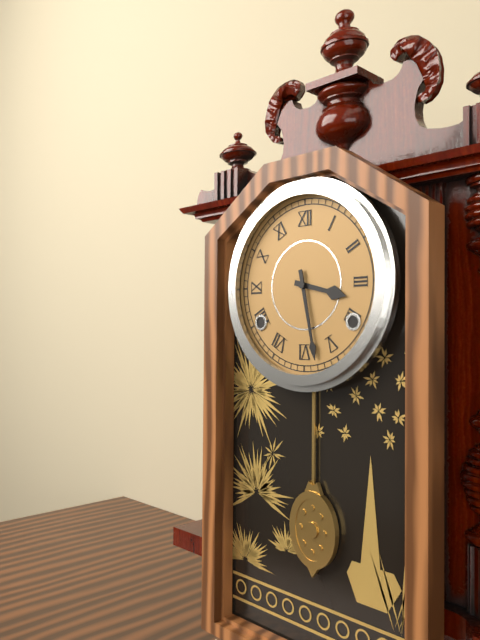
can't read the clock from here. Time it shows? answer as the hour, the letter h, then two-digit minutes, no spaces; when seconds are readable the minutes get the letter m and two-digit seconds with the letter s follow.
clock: 3h28
